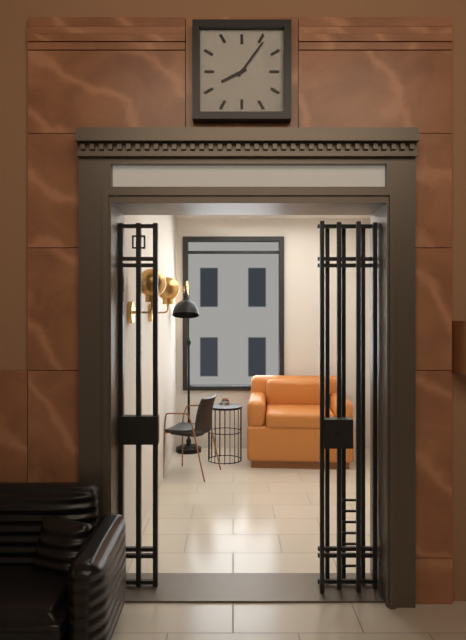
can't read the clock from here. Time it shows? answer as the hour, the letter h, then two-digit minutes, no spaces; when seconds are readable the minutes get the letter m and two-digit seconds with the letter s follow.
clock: 8h06
